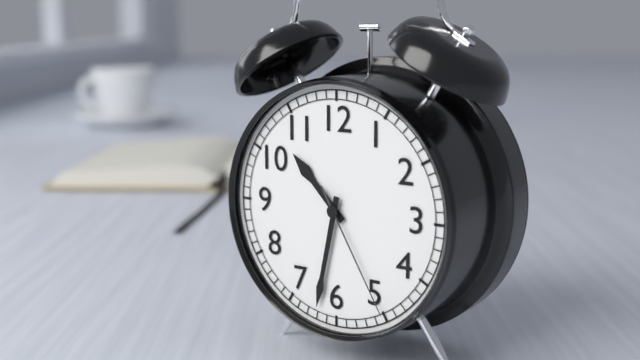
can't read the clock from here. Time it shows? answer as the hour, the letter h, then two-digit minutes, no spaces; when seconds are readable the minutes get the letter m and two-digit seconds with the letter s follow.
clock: 10h32m25s
